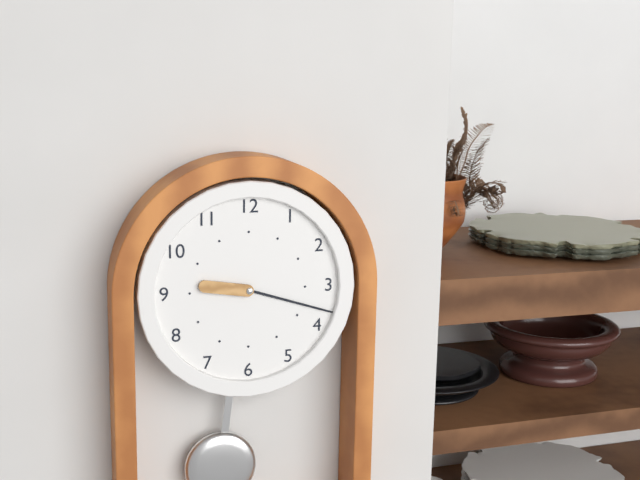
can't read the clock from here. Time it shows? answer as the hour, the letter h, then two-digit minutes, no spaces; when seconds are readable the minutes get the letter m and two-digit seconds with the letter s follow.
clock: 9h18
